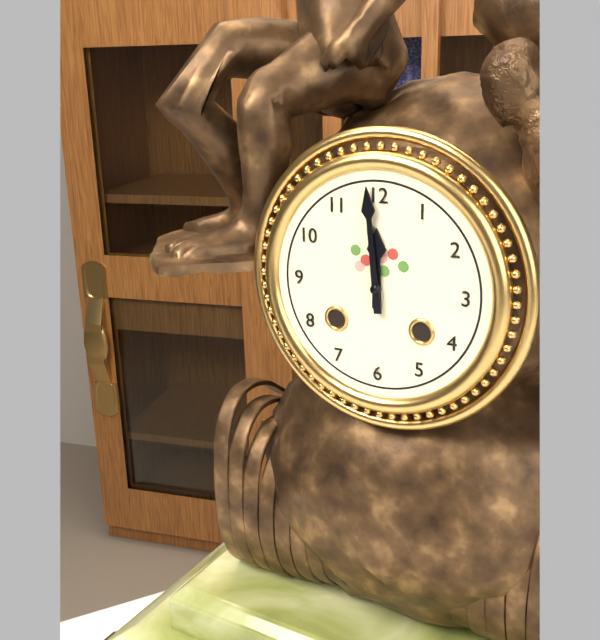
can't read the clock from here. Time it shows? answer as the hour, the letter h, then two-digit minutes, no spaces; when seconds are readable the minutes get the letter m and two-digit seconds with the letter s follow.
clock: 11h59
